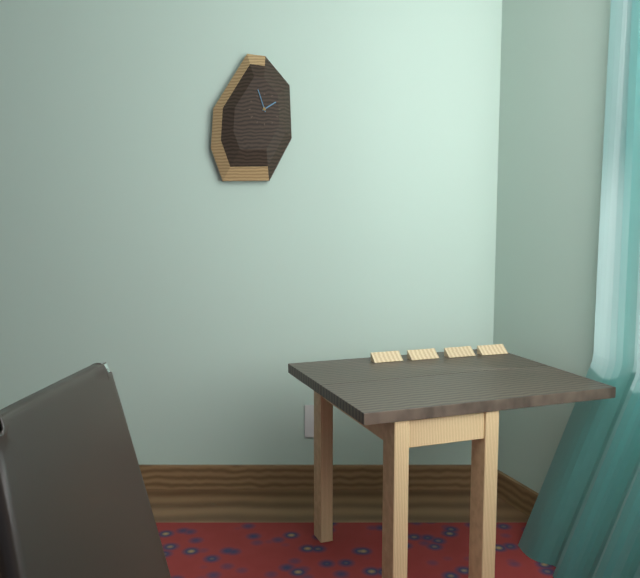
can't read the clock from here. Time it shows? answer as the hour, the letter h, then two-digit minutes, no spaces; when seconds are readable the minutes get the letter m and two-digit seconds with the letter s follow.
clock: 1h57
